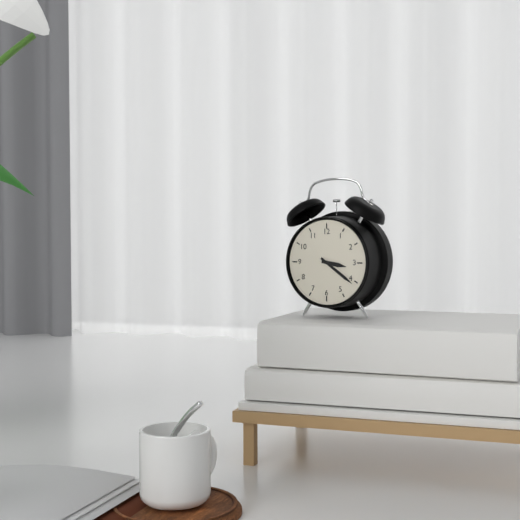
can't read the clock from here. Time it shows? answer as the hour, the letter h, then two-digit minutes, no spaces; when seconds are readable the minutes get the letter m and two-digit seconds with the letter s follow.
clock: 3h21
